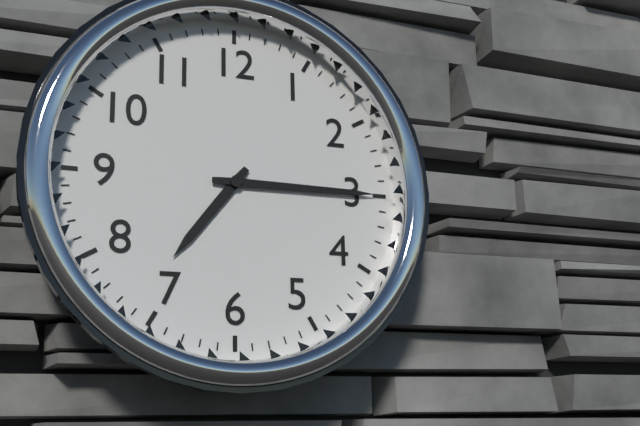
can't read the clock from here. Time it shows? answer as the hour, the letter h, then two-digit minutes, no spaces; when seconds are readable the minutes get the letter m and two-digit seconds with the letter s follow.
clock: 7h15
